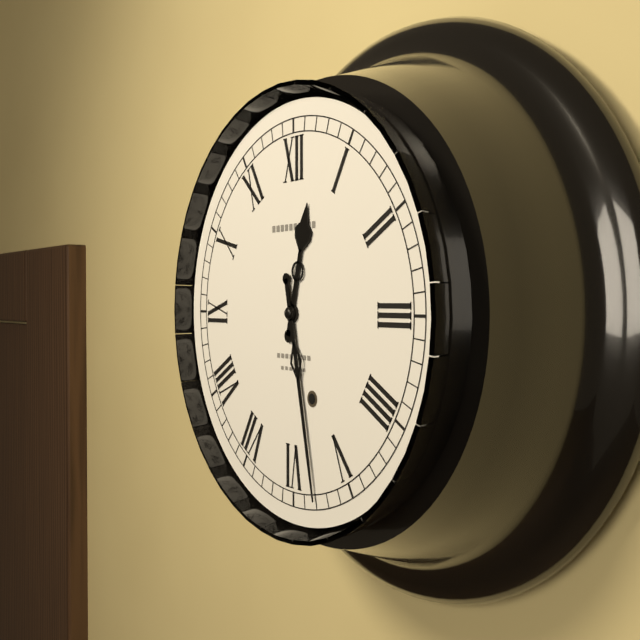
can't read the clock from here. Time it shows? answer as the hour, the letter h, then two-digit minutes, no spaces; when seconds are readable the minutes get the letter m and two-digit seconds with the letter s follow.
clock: 12h28
